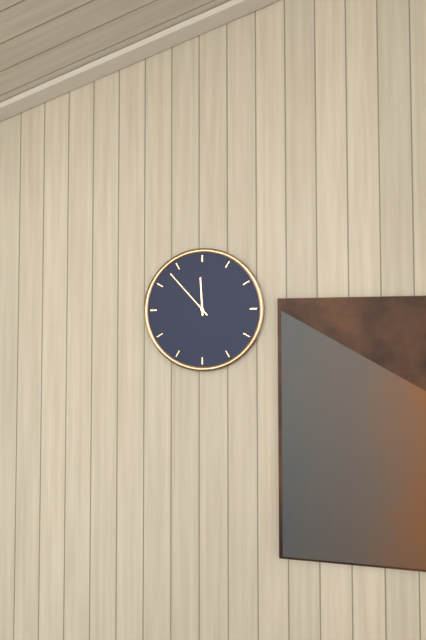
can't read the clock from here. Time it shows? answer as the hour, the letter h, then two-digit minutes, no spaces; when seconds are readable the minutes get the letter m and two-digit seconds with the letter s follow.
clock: 11h53
